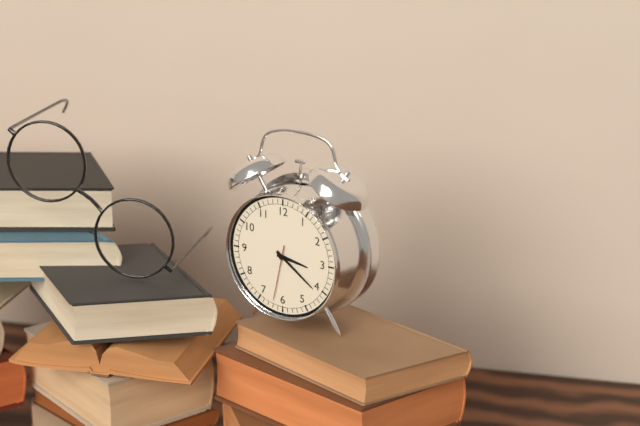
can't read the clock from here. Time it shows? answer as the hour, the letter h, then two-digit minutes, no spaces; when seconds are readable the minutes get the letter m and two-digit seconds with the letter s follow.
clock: 3h21m32s
